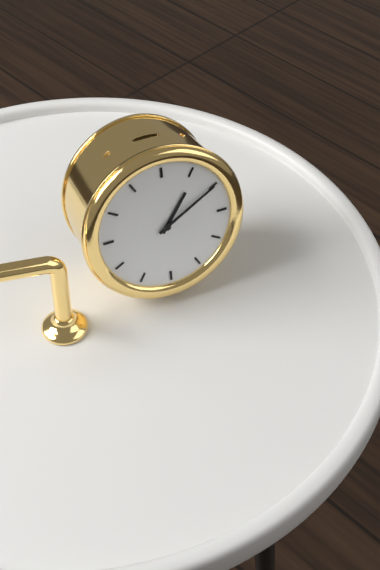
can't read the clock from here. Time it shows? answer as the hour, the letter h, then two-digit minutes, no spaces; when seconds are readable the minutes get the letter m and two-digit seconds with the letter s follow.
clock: 1h10
